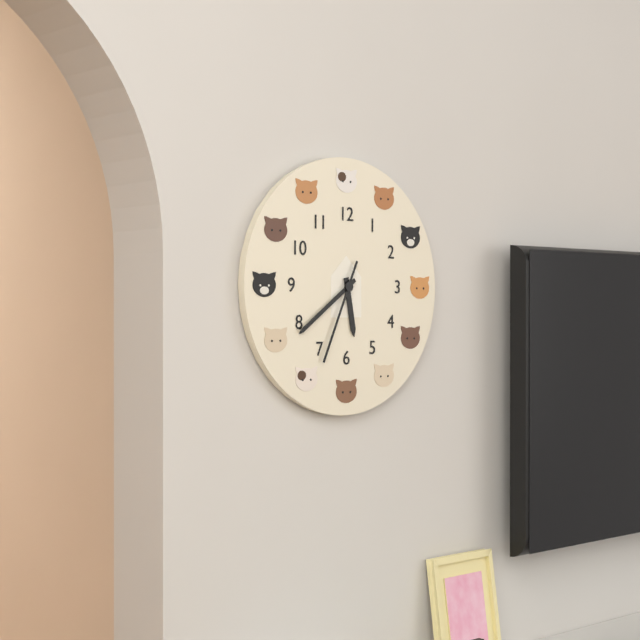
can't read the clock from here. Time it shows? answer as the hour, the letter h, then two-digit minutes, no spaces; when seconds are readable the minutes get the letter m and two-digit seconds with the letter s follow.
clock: 5h39m34s
